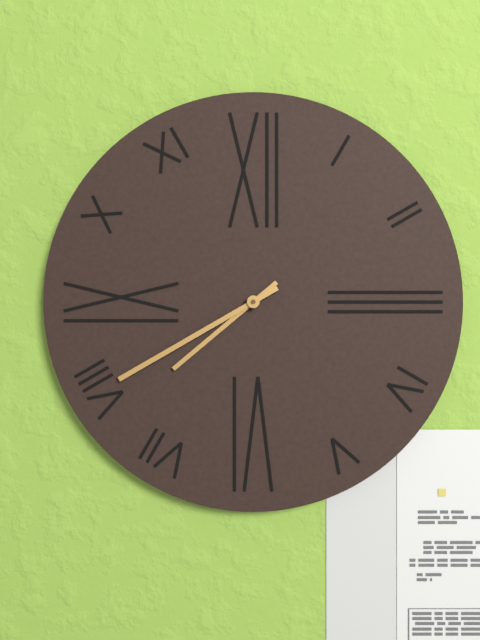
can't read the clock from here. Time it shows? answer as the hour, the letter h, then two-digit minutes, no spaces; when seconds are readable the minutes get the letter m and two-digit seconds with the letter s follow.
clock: 7h40
